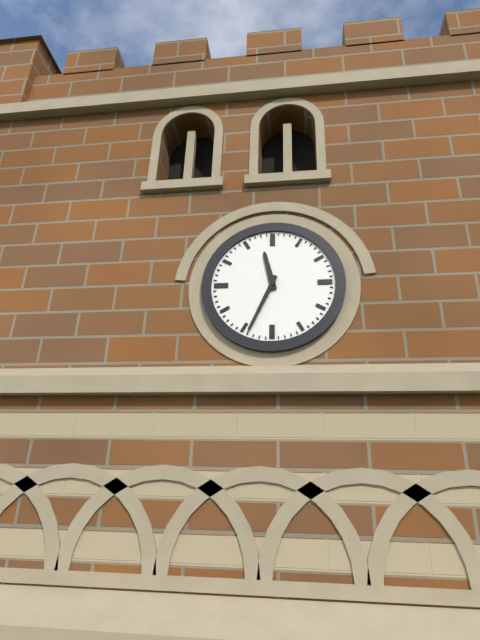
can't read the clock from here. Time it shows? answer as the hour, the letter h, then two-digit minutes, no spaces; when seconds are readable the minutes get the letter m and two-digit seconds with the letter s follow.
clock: 11h34
